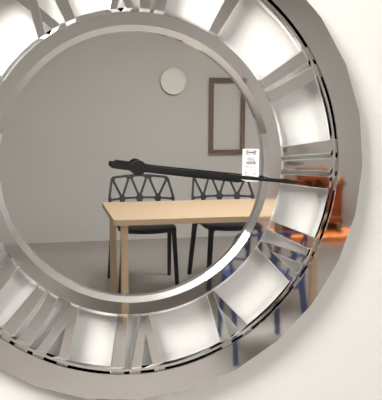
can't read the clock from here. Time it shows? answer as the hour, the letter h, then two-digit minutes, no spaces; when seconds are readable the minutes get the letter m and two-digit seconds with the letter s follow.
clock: 3h16
